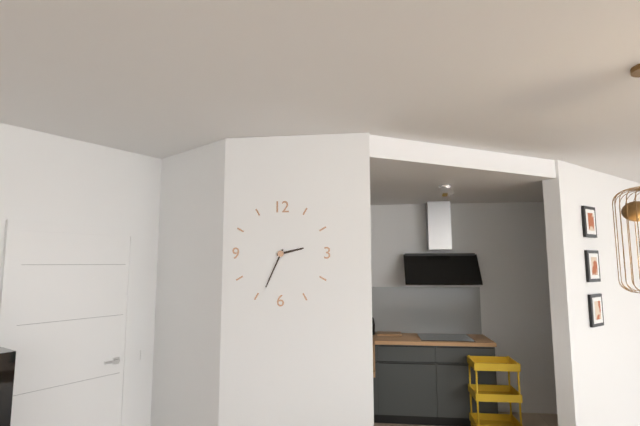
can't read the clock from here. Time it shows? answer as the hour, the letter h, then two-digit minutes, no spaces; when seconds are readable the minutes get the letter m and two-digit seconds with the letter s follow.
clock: 2h34
